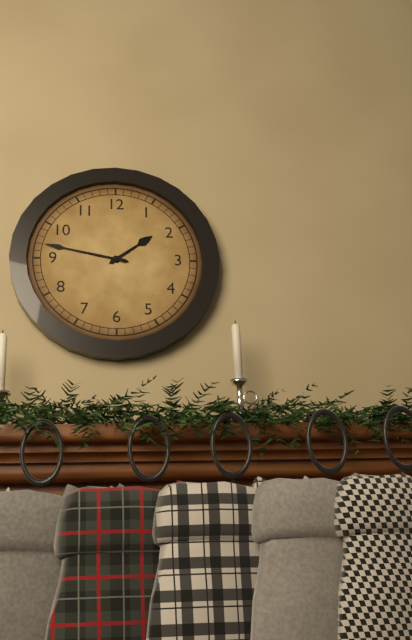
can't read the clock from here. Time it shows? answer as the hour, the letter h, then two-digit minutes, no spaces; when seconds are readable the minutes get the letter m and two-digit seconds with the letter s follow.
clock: 1h47
